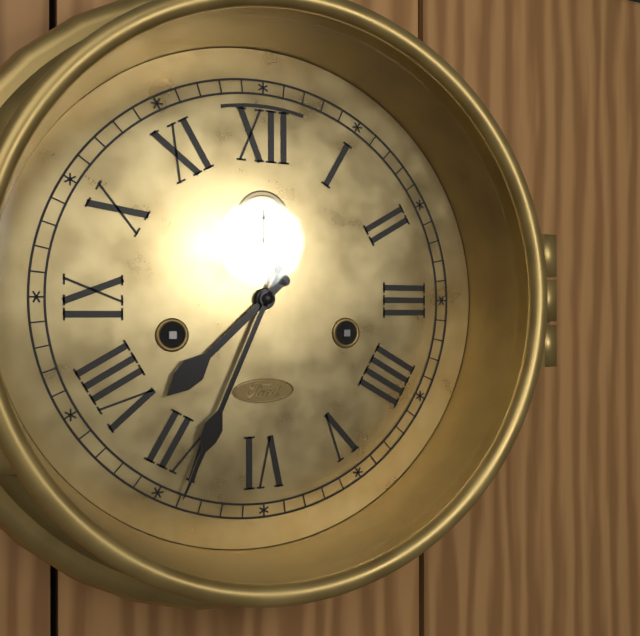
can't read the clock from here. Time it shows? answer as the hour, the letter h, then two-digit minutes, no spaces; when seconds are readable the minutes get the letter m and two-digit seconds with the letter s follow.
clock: 7h34
